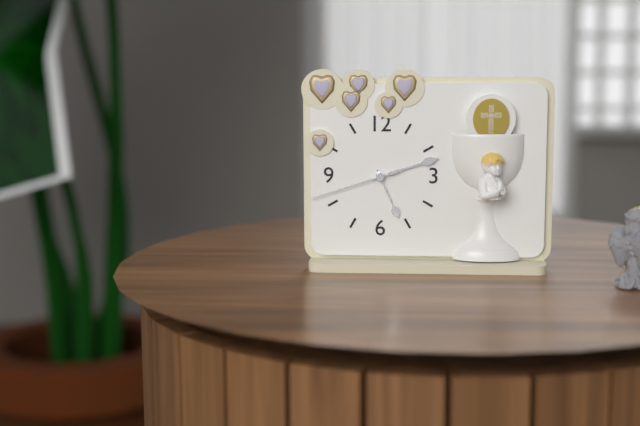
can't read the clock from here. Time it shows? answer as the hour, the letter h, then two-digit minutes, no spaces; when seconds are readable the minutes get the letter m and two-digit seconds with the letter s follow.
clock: 5h12m42s
